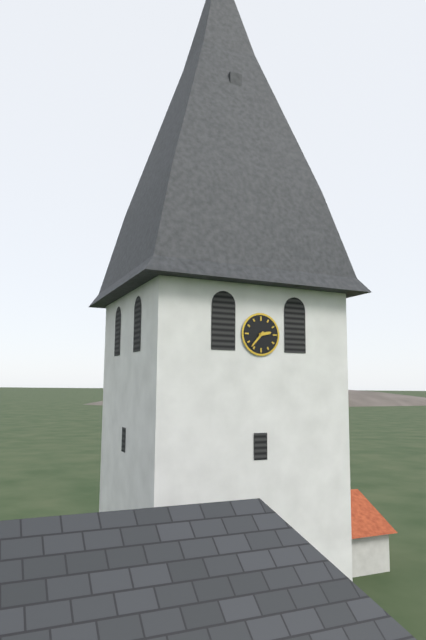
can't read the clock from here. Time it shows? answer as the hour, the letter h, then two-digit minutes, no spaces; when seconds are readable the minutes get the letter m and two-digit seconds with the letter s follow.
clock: 2h37
